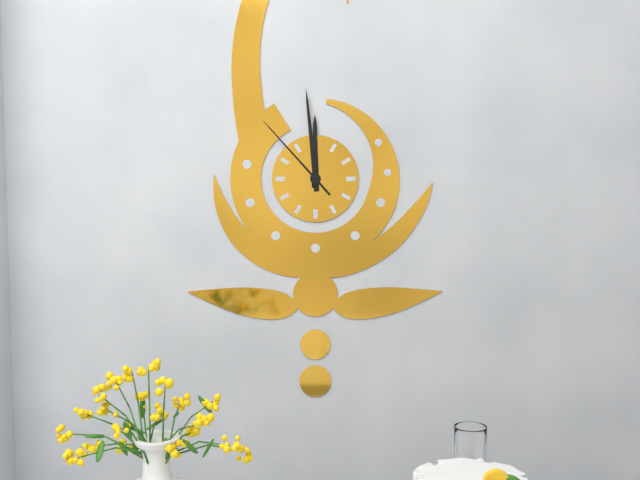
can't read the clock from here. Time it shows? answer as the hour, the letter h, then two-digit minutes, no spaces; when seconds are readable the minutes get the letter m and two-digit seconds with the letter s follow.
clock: 11h59m53s
